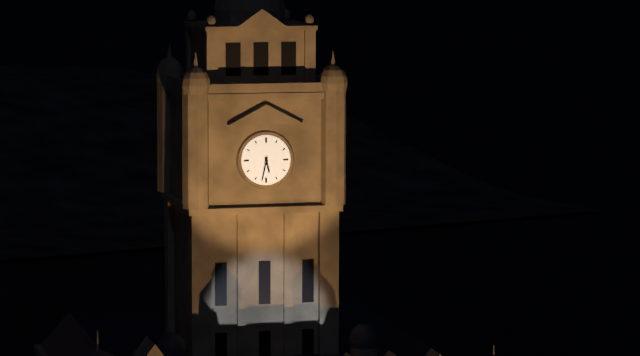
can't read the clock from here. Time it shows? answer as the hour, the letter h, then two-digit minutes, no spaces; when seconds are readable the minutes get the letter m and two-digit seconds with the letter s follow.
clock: 5h32
